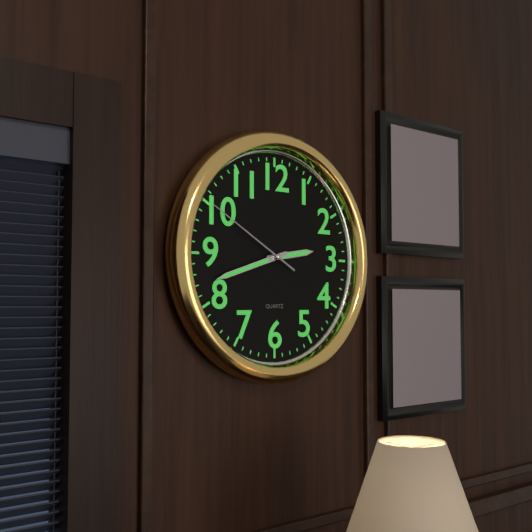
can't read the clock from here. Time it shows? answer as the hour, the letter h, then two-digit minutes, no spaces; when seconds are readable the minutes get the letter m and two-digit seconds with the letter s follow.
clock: 2h42m50s
